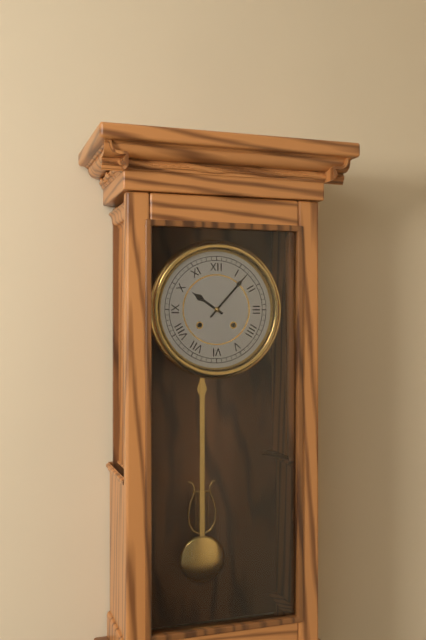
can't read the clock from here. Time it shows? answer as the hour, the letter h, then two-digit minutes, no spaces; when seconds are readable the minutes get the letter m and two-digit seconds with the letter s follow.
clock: 10h07
